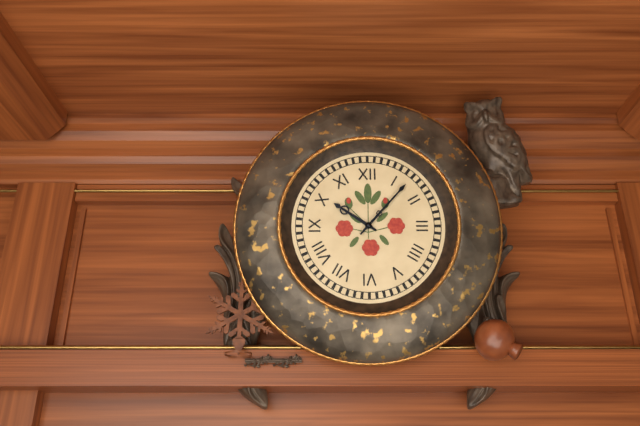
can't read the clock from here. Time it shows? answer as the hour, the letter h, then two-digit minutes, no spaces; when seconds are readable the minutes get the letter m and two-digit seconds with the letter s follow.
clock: 10h07
